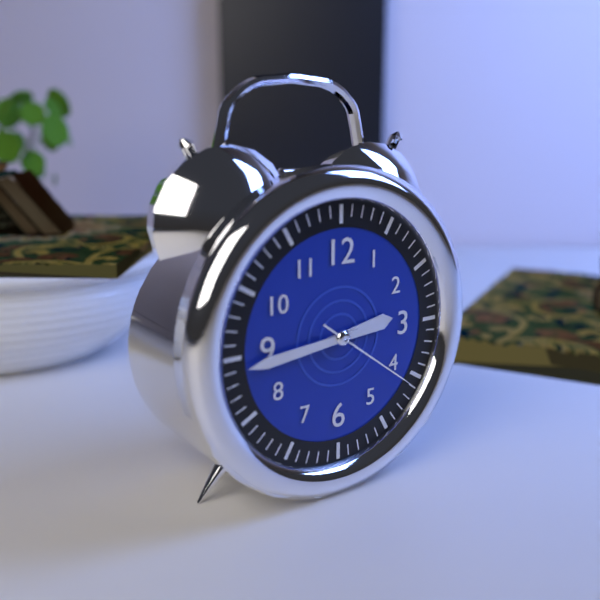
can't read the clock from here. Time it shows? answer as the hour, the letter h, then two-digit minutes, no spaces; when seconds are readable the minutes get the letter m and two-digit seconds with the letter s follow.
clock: 2h44m21s
